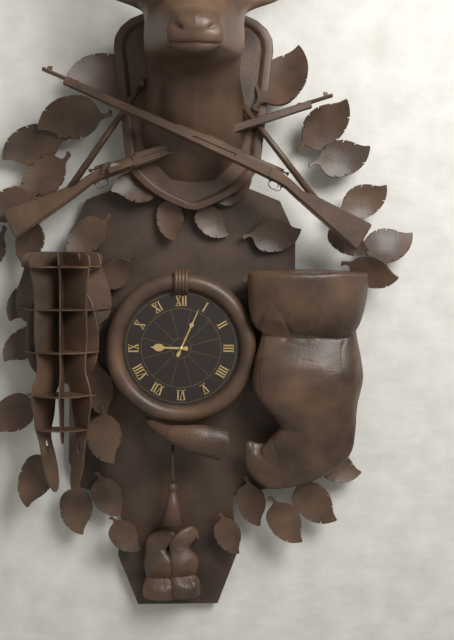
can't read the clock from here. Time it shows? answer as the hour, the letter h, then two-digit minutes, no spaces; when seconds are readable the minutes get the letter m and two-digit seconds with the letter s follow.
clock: 9h04
